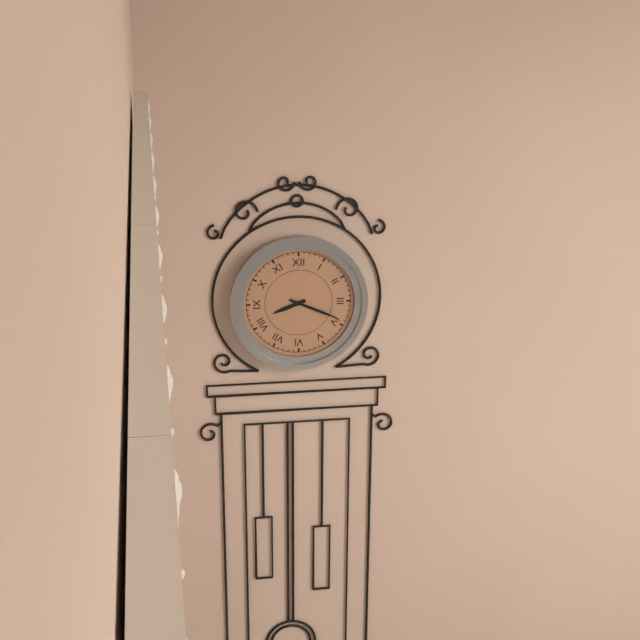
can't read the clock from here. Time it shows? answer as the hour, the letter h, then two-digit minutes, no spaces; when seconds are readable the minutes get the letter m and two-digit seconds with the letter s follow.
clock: 8h19
